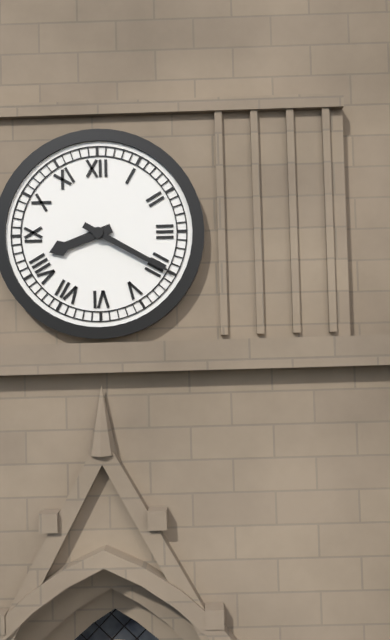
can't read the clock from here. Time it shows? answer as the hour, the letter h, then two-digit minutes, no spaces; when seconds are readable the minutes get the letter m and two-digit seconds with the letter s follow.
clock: 8h20
